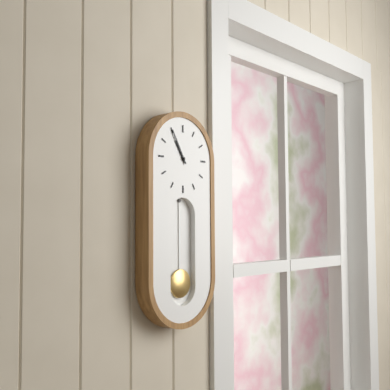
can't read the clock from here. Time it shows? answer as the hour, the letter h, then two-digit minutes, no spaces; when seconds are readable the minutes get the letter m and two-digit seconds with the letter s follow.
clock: 10h55
